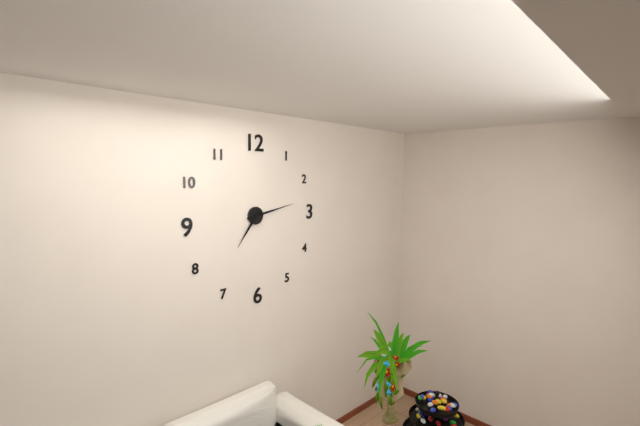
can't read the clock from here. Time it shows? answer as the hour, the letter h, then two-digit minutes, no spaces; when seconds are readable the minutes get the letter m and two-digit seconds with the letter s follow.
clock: 7h13
